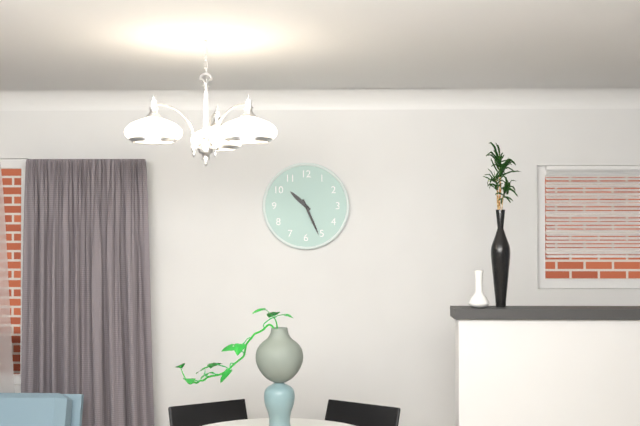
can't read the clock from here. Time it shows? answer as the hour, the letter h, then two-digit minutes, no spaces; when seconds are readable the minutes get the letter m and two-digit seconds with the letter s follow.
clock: 10h26
